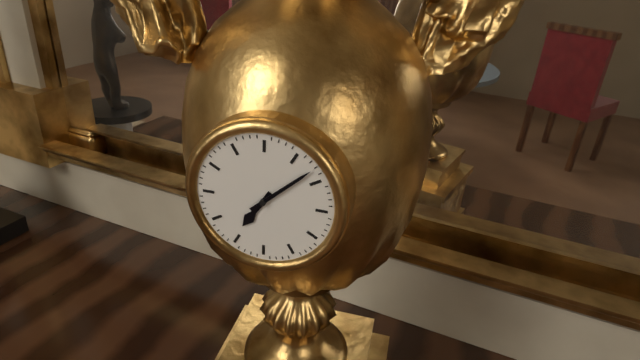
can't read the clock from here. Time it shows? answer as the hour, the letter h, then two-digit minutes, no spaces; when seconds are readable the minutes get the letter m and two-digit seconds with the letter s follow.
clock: 7h08
